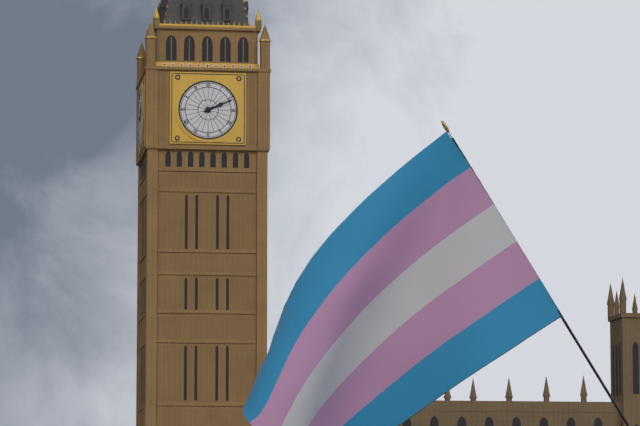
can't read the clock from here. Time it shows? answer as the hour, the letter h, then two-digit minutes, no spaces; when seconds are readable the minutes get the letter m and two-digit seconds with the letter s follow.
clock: 2h11
